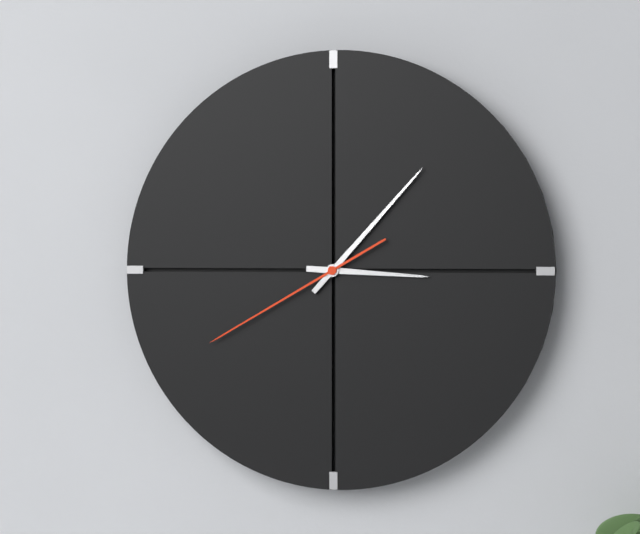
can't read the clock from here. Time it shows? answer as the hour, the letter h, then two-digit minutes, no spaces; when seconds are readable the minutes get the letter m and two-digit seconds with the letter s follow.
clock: 3h07m40s
